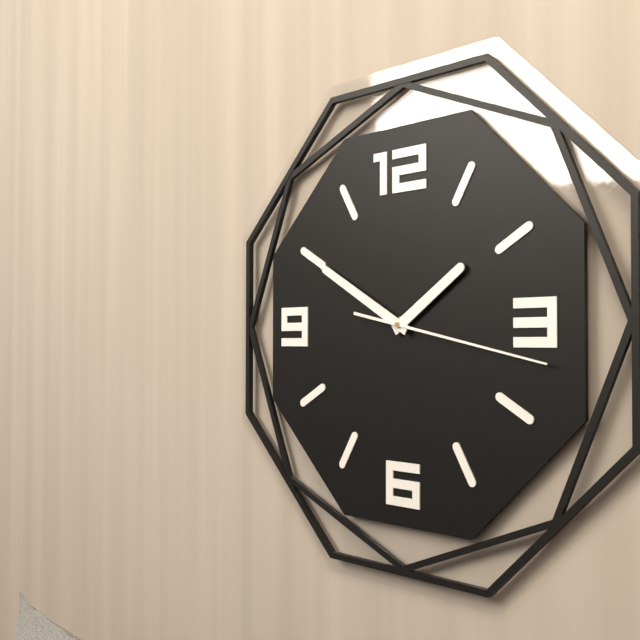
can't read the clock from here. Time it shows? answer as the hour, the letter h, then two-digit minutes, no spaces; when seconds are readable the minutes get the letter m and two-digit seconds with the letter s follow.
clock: 1h50m17s
